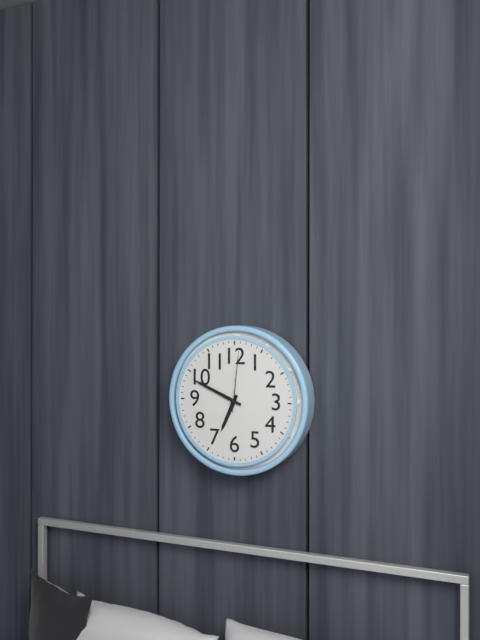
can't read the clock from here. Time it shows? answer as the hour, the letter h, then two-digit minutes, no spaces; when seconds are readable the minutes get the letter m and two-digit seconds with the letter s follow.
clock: 6h49m01s
